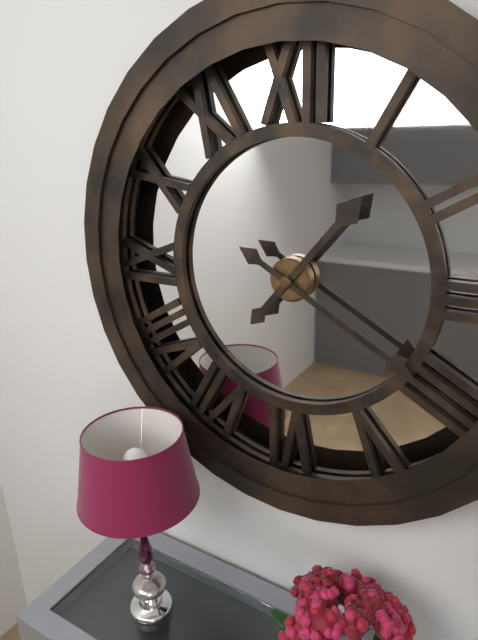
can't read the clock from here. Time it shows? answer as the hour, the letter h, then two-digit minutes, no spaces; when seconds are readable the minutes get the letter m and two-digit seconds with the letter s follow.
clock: 1h20
